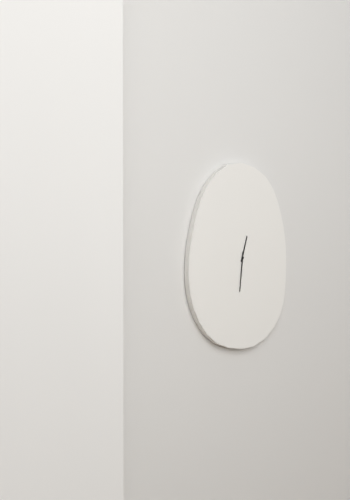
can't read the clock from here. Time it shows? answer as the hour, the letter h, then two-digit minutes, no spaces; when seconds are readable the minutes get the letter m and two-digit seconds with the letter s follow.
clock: 12h31
